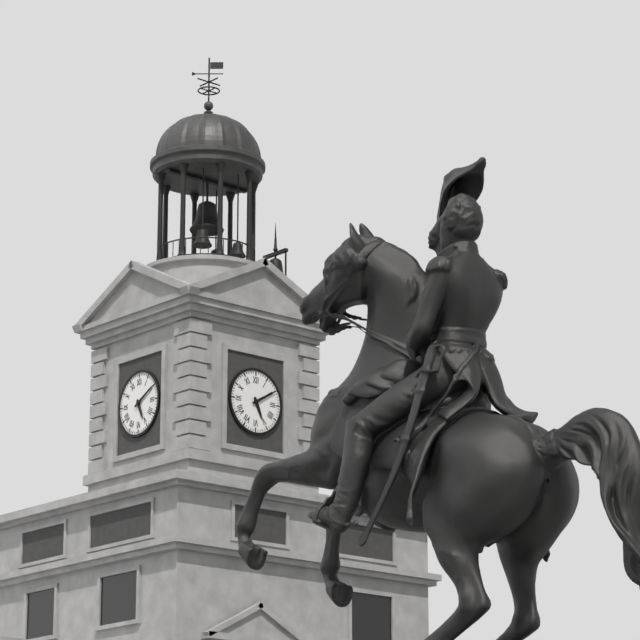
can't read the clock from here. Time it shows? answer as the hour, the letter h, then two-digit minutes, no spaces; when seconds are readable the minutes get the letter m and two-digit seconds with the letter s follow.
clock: 5h10
